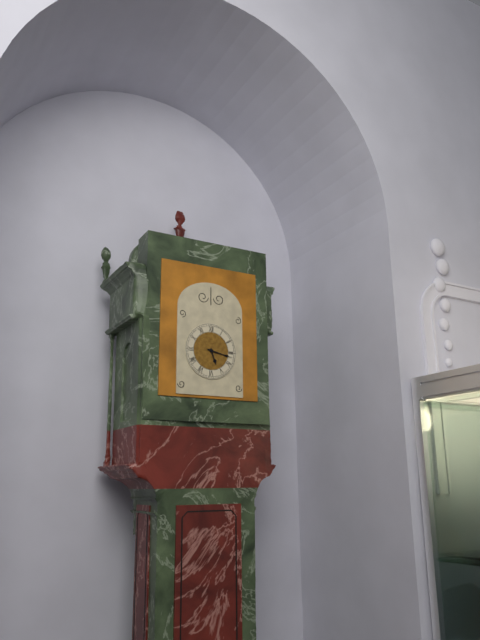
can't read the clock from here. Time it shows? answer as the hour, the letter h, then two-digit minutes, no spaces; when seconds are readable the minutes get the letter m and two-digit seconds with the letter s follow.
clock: 5h17
